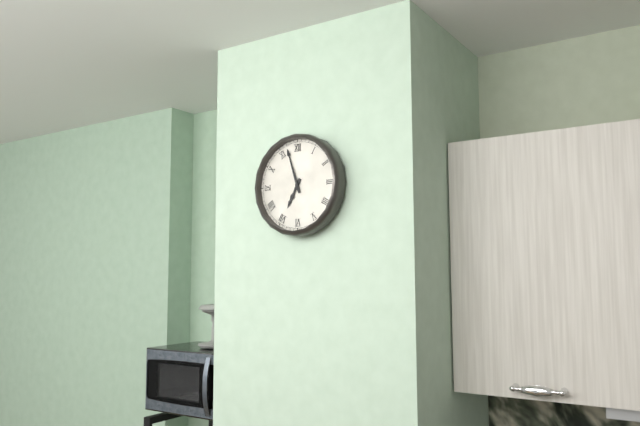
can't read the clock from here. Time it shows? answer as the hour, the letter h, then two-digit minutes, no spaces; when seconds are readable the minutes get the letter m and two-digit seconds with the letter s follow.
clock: 6h57
